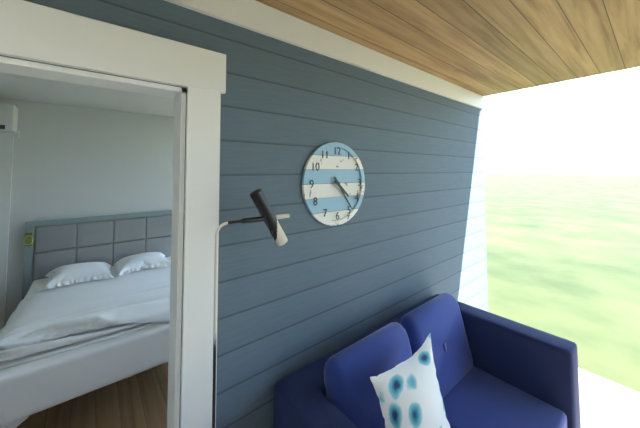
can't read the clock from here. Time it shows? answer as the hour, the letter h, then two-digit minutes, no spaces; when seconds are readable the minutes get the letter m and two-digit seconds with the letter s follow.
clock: 4h24
